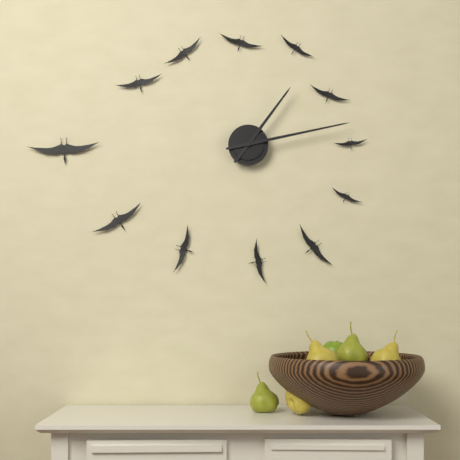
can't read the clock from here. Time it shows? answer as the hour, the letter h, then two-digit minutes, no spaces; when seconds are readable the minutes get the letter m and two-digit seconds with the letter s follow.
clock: 1h13
